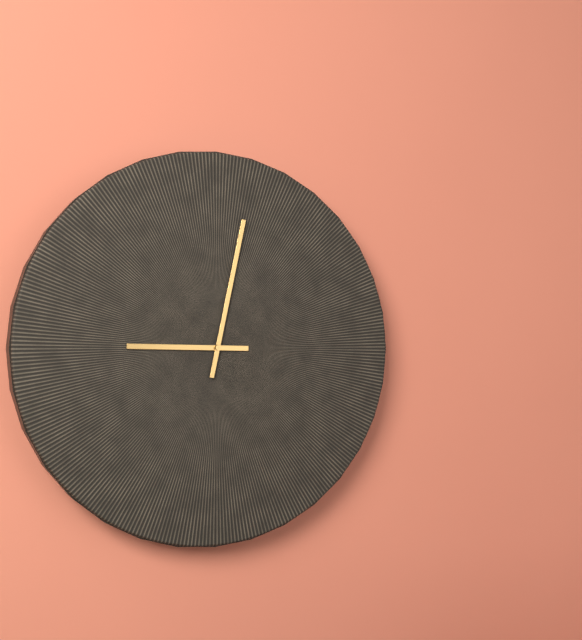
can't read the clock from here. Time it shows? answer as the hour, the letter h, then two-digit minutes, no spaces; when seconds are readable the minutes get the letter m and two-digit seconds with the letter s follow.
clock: 9h02
